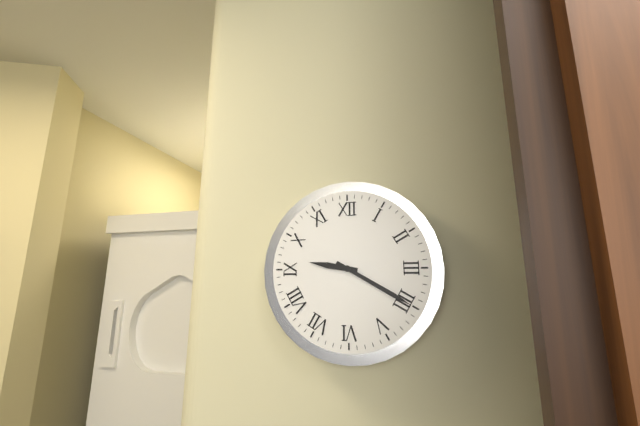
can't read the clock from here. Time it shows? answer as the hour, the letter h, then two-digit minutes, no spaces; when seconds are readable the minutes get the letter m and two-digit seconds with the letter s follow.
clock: 9h20
